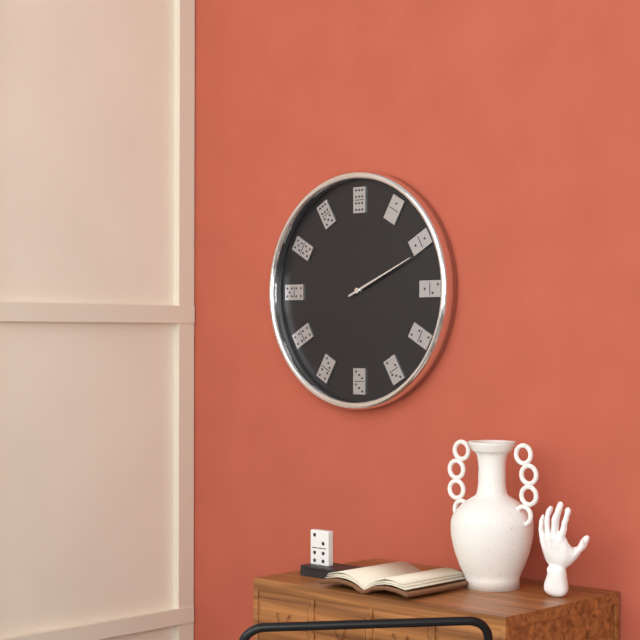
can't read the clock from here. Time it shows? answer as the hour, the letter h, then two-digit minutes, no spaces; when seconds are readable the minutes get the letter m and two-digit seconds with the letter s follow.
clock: 2h11
